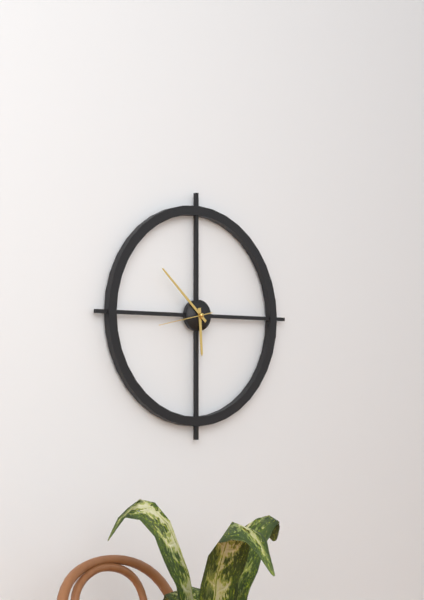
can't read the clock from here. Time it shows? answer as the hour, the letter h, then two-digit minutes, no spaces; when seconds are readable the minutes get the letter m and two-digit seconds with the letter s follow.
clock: 5h52
